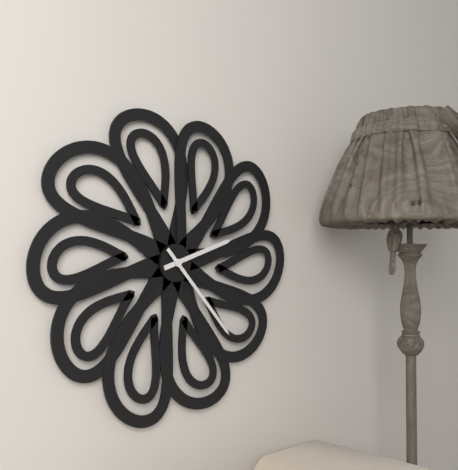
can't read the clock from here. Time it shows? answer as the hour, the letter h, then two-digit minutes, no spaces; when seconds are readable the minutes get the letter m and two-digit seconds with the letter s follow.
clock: 2h23
